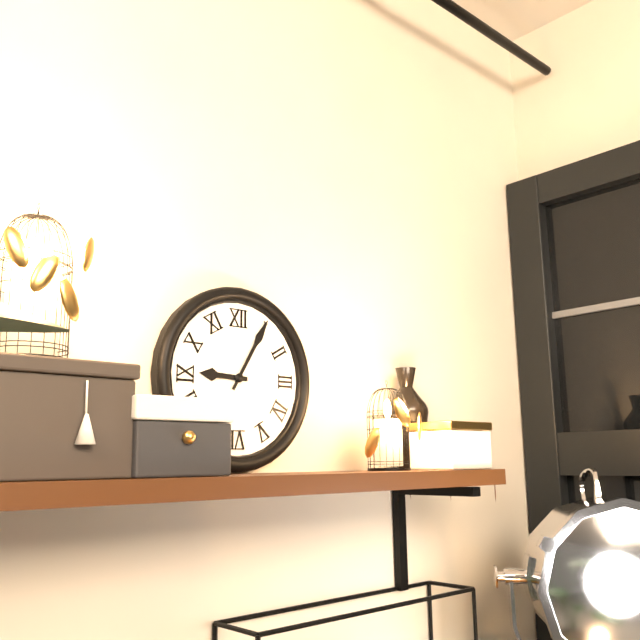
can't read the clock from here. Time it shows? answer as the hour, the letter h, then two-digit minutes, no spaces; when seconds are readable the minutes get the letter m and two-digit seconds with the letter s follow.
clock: 9h05
